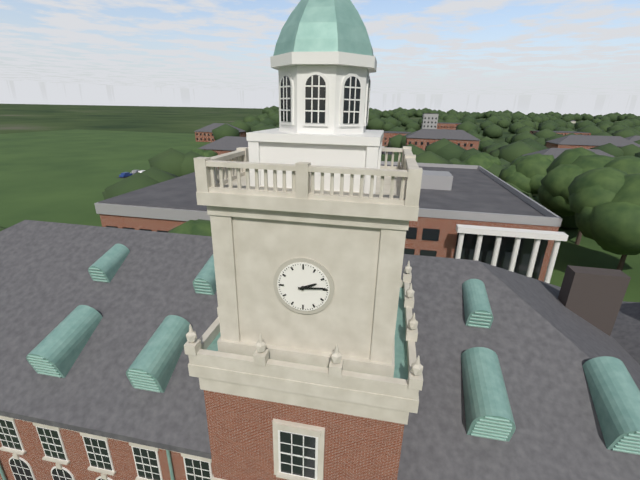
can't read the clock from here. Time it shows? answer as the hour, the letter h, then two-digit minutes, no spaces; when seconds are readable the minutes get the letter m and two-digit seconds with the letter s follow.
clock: 2h14
